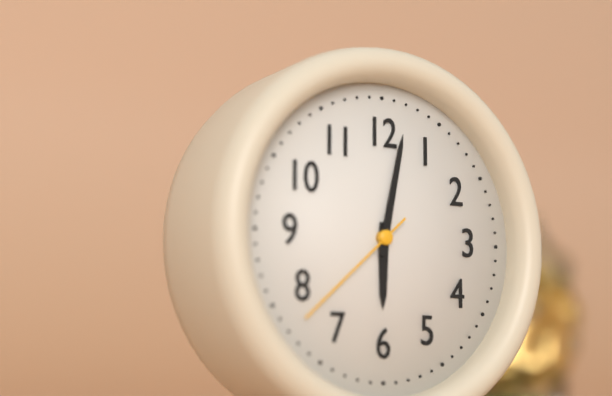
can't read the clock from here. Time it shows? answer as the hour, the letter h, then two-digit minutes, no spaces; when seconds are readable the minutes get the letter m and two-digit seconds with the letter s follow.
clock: 6h02m38s
